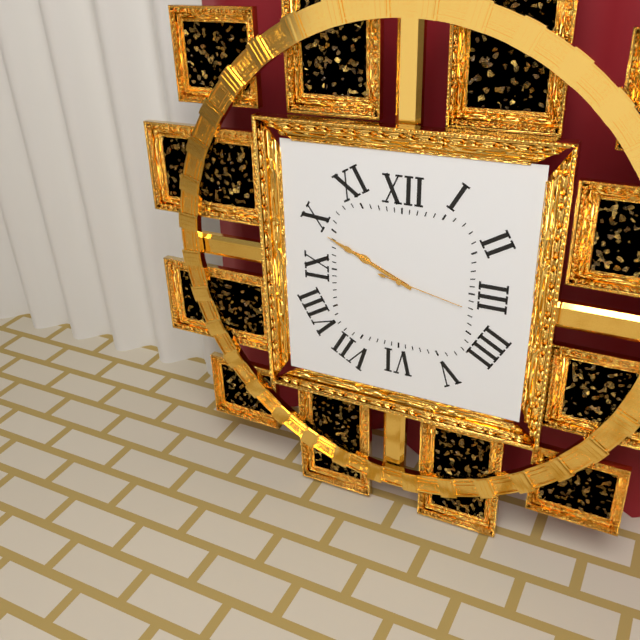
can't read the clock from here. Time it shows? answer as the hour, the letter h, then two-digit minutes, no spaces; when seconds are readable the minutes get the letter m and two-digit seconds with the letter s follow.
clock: 9h49m17s
